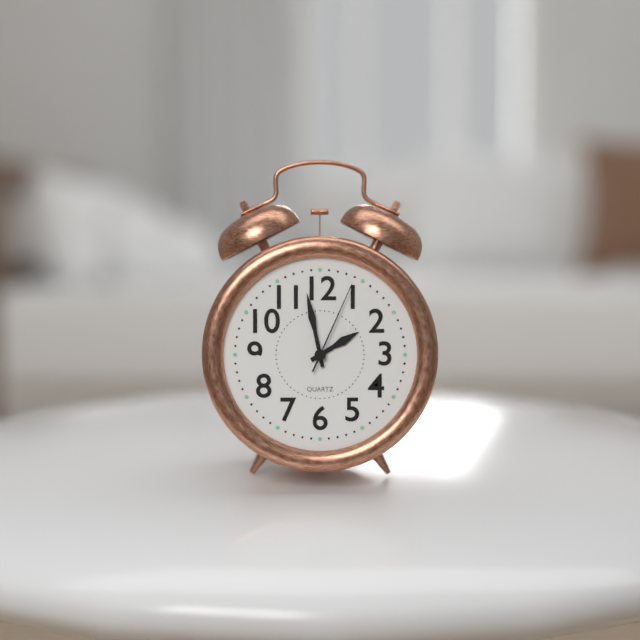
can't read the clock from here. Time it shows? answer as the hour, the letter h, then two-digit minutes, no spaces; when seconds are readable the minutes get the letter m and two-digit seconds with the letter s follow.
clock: 1h58m04s
